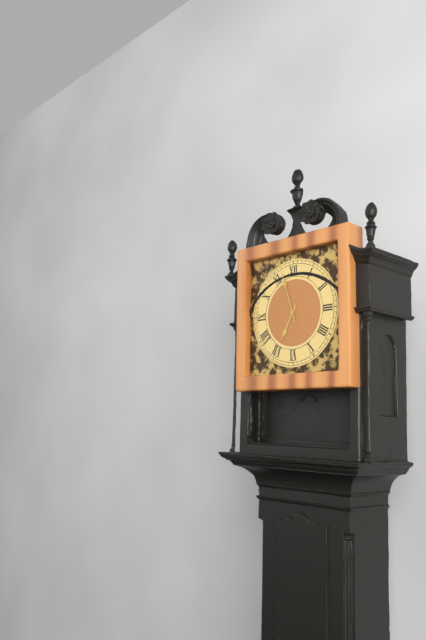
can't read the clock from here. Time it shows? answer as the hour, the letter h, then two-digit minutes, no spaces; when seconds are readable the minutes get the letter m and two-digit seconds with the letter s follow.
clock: 6h57
